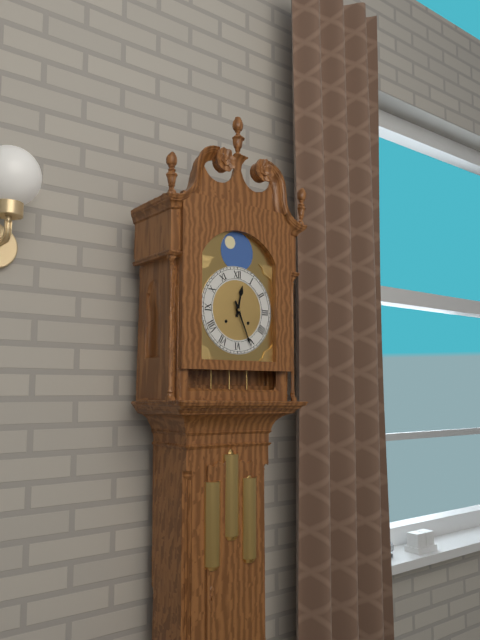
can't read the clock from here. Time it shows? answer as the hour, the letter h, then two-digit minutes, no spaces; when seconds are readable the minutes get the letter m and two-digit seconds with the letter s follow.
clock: 12h26
